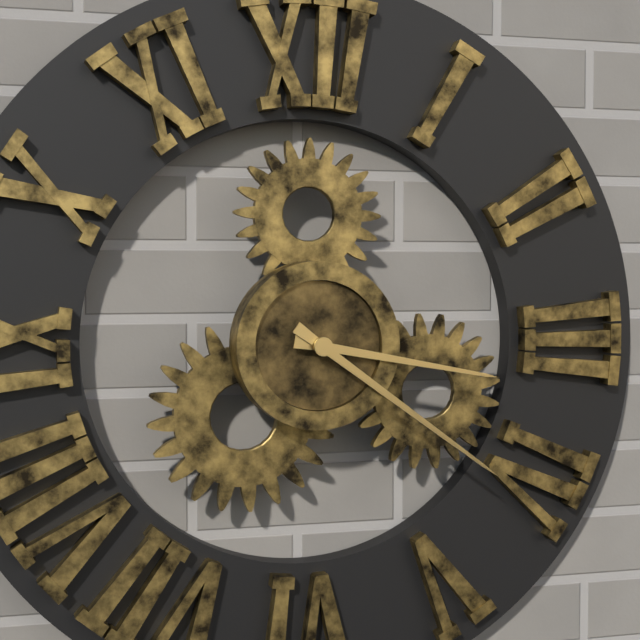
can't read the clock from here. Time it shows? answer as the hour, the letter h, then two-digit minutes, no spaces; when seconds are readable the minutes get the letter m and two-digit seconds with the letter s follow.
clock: 3h21
